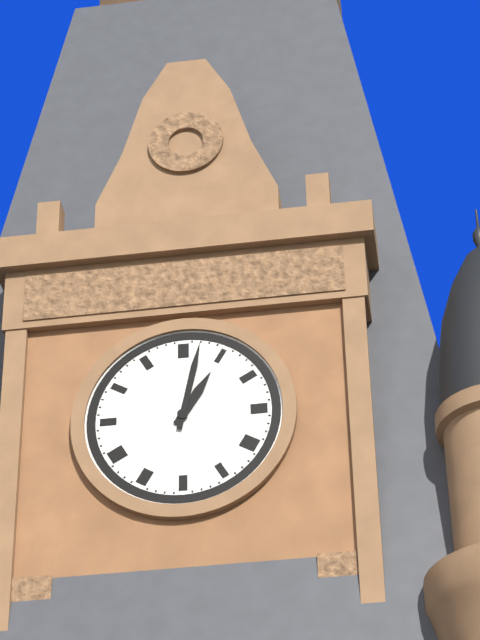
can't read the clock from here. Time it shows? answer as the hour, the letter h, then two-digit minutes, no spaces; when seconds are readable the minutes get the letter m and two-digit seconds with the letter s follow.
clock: 1h02
